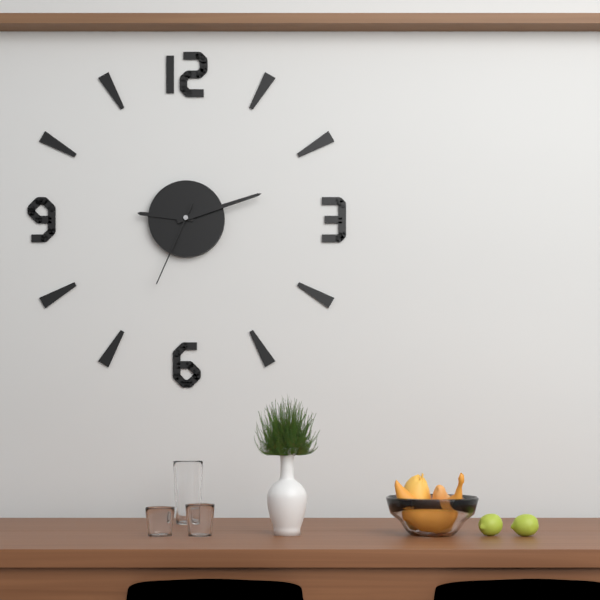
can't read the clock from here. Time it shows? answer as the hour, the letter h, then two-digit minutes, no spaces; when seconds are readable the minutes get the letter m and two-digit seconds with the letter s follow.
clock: 9h12m34s
